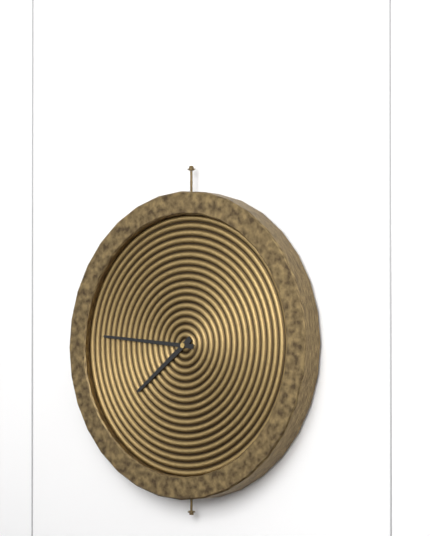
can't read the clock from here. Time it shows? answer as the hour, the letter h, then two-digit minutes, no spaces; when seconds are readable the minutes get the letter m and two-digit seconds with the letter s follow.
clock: 7h46
